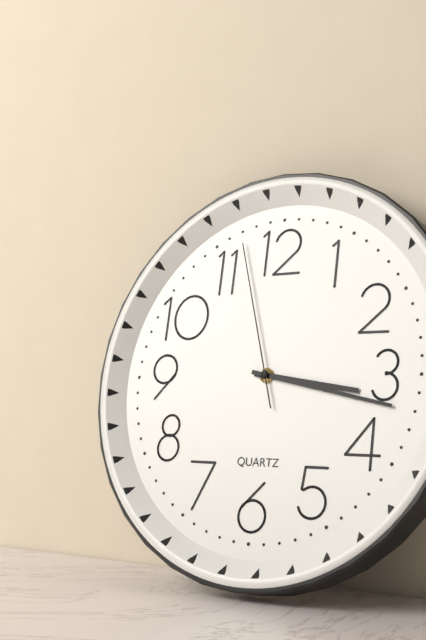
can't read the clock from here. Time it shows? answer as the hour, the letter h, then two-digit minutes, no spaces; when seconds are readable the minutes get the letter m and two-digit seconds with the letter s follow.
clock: 3h17m57s
